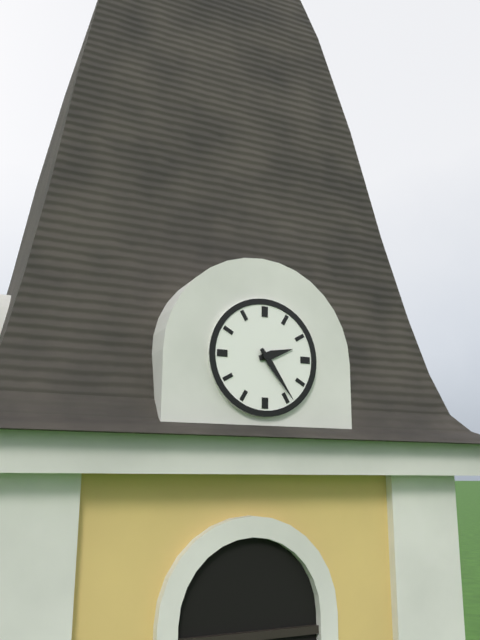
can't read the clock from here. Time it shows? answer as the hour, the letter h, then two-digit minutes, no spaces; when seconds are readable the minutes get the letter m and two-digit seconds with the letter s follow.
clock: 2h24
